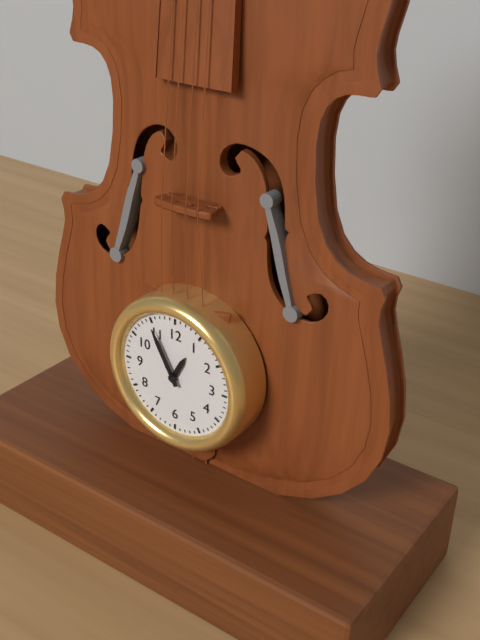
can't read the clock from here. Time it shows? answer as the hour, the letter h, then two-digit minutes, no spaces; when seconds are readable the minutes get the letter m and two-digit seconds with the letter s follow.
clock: 12h55
